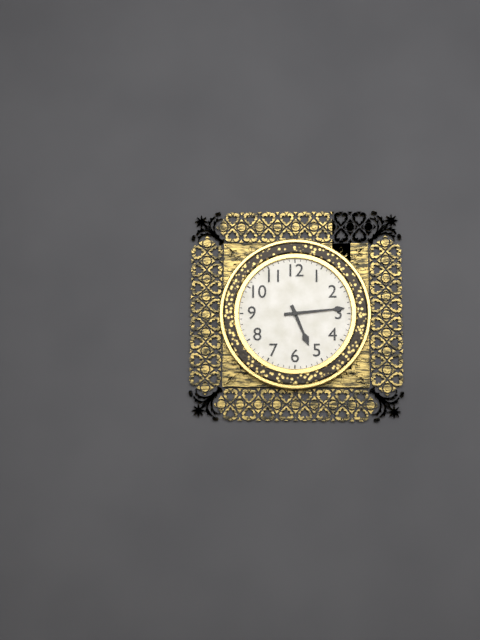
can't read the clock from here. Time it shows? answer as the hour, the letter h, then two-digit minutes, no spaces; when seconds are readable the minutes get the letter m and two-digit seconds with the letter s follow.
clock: 5h14
